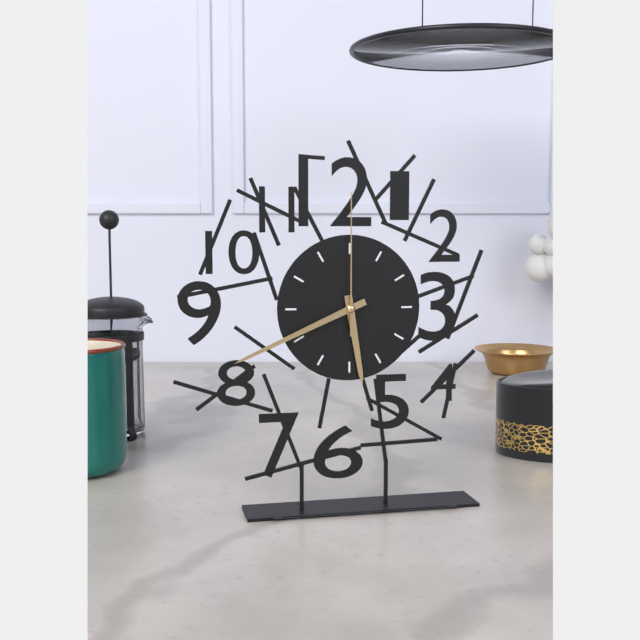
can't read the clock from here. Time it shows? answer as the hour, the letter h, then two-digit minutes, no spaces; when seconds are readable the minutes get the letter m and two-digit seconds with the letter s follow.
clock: 5h41m00s
